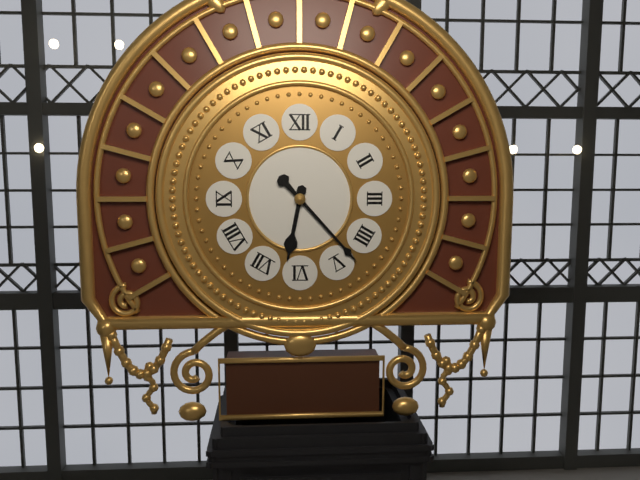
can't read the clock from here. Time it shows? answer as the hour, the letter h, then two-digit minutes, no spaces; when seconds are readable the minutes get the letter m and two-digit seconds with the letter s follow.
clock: 6h23
